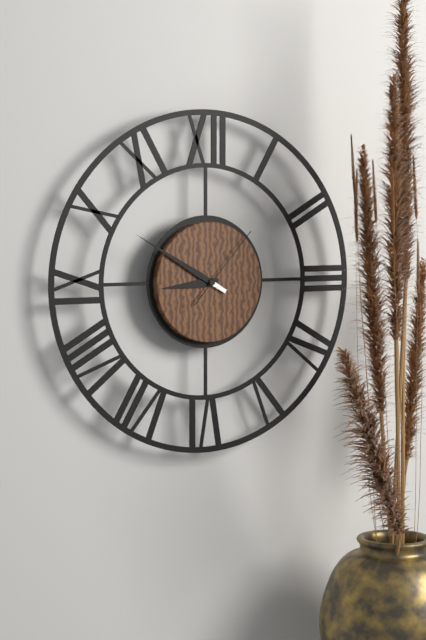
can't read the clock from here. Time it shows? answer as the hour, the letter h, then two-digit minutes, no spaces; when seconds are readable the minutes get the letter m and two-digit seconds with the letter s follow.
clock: 8h50m07s
